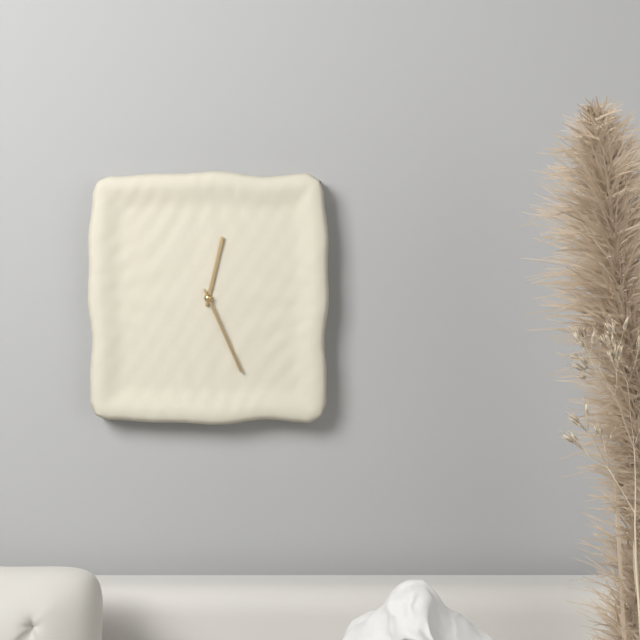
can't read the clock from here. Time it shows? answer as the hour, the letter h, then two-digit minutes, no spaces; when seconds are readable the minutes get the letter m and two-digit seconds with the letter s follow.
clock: 12h26
